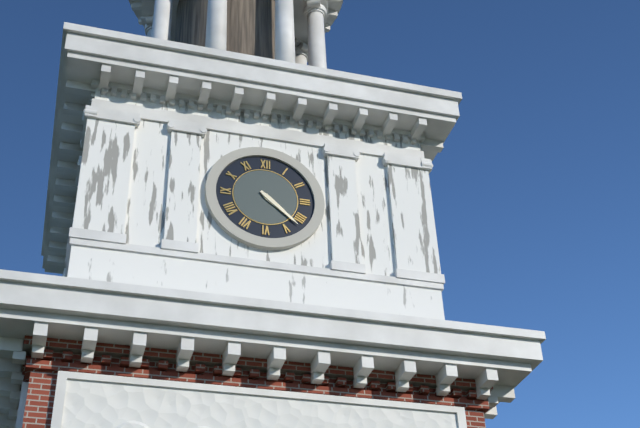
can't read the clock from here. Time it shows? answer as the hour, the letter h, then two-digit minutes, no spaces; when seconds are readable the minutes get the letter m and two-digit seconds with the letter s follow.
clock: 4h22
